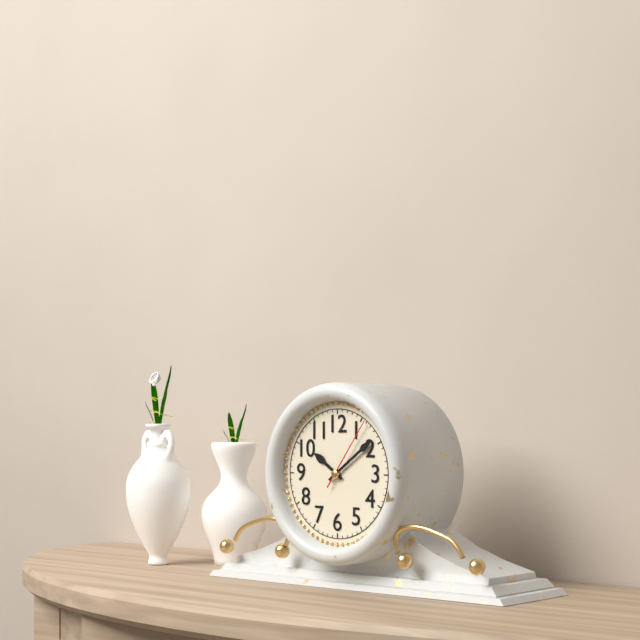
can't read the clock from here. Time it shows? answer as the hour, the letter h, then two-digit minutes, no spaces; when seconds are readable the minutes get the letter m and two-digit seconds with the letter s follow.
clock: 10h09m06s
